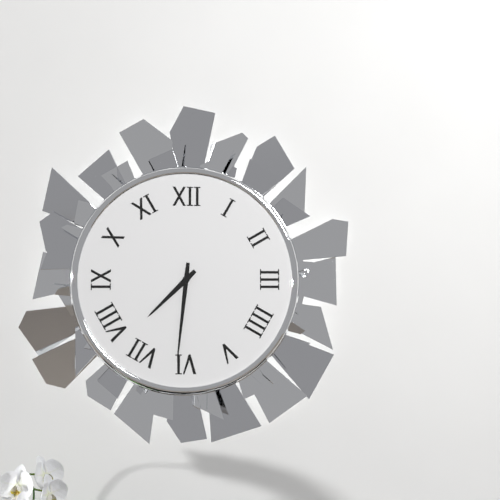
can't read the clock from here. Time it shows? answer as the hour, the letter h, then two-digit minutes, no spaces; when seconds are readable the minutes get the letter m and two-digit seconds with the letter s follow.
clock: 7h31
